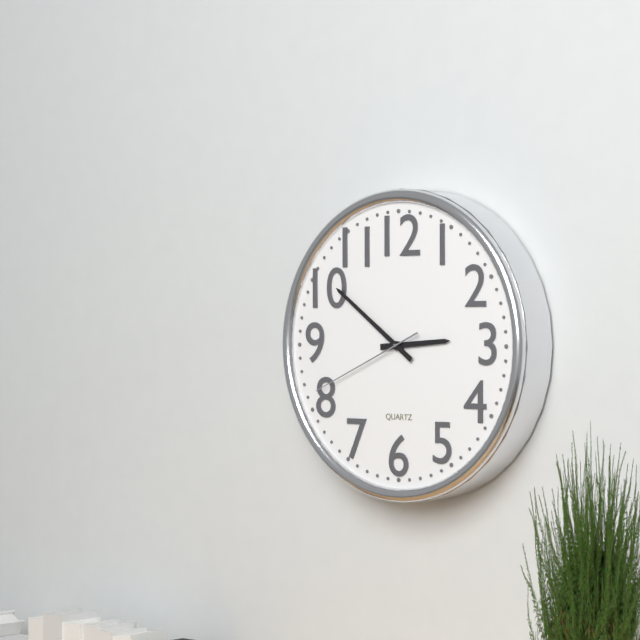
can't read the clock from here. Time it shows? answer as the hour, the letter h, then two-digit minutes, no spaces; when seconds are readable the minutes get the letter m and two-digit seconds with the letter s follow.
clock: 2h51m41s
